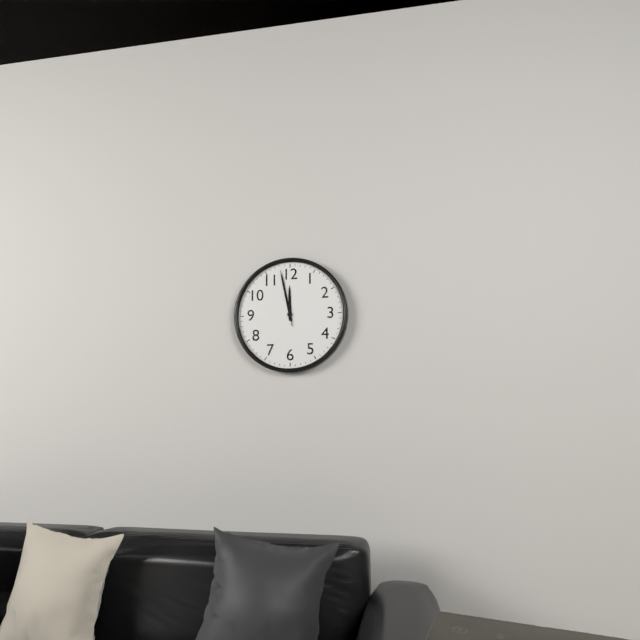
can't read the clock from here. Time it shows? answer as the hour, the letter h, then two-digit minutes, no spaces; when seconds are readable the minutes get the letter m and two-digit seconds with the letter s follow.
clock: 11h58m58s
